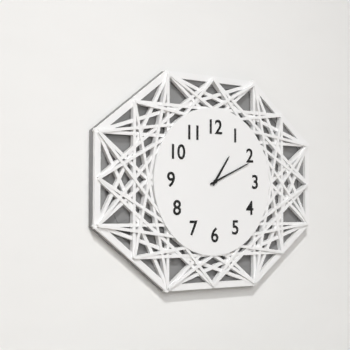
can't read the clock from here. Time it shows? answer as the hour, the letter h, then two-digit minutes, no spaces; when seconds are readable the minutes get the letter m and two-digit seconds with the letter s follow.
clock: 1h11
